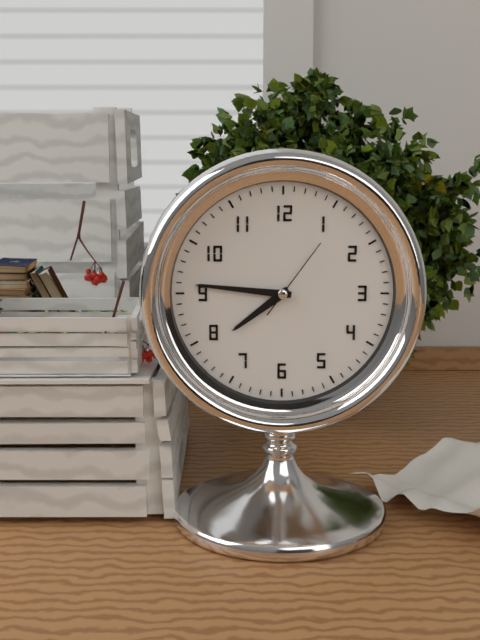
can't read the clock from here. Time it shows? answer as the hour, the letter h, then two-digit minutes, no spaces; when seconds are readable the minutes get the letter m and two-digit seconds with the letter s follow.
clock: 7h46m06s
